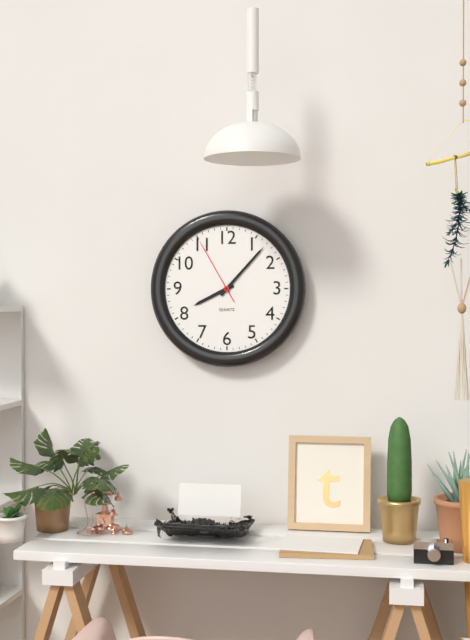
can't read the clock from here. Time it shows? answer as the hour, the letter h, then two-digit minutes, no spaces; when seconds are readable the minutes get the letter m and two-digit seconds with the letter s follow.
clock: 8h07m55s
